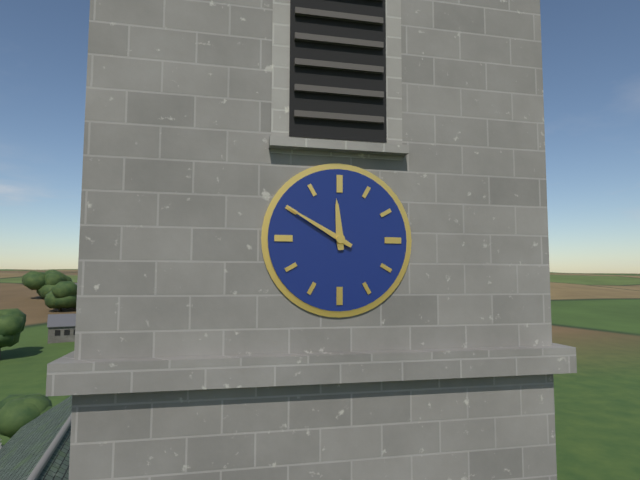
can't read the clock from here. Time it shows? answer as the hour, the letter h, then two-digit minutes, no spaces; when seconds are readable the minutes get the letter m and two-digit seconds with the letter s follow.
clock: 11h50
